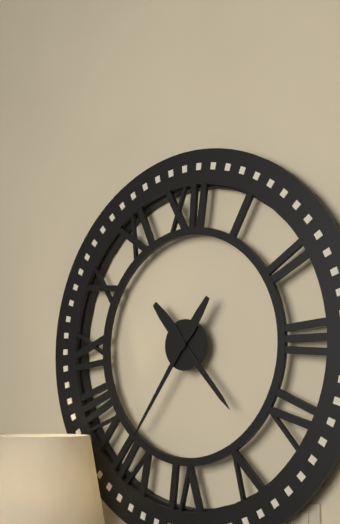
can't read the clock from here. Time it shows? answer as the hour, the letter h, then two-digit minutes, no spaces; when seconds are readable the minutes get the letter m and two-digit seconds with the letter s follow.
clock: 4h36
